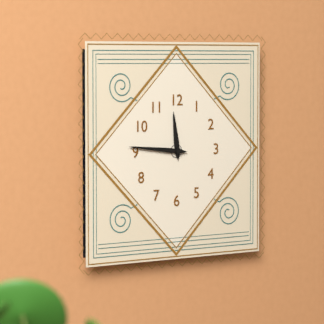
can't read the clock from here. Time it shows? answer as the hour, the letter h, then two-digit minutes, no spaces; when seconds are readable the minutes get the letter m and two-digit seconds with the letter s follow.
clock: 11h46
